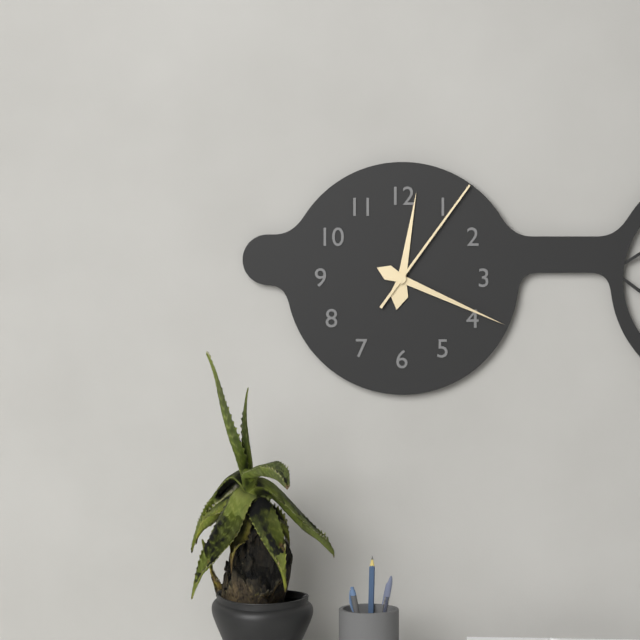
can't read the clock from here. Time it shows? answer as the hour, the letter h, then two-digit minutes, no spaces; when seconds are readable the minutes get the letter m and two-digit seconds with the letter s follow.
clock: 12h19m06s
